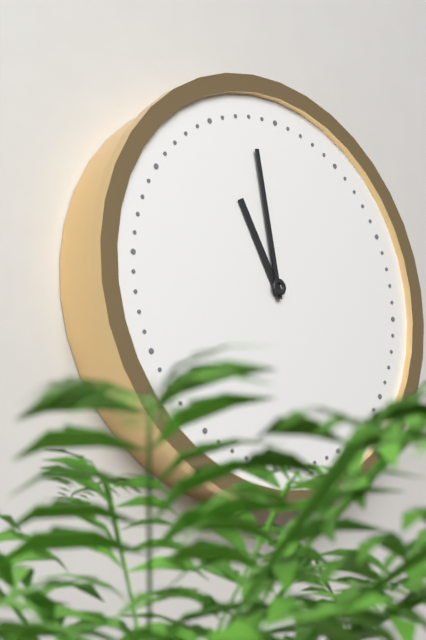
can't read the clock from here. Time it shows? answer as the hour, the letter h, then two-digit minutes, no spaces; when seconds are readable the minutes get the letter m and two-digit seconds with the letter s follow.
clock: 10h58
